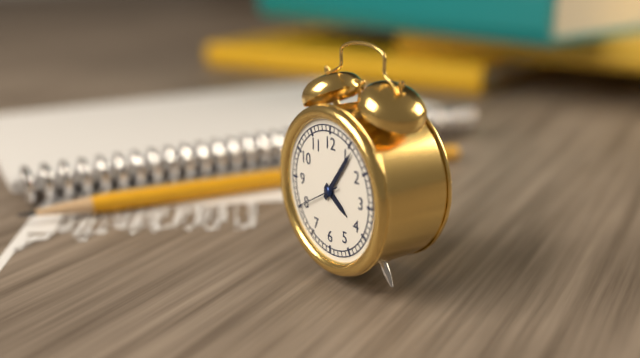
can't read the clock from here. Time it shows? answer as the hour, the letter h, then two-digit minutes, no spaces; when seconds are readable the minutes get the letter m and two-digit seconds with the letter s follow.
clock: 4h06
